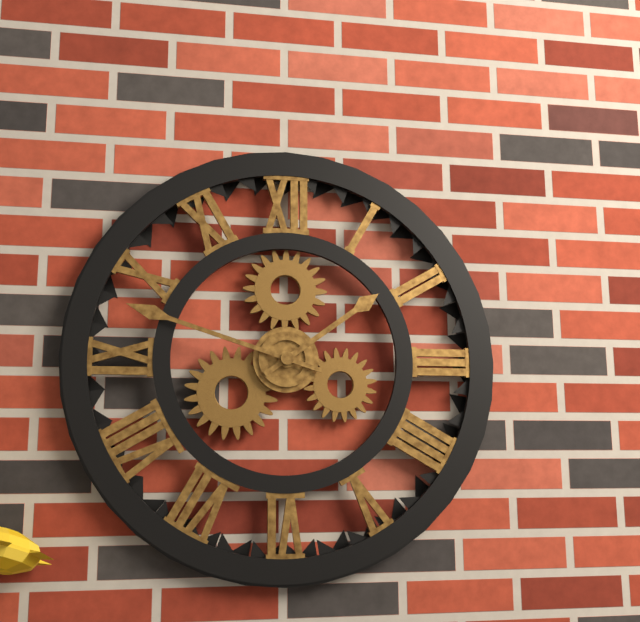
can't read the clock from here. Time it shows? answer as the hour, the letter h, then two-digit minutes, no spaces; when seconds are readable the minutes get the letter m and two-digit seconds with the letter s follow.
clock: 1h48
